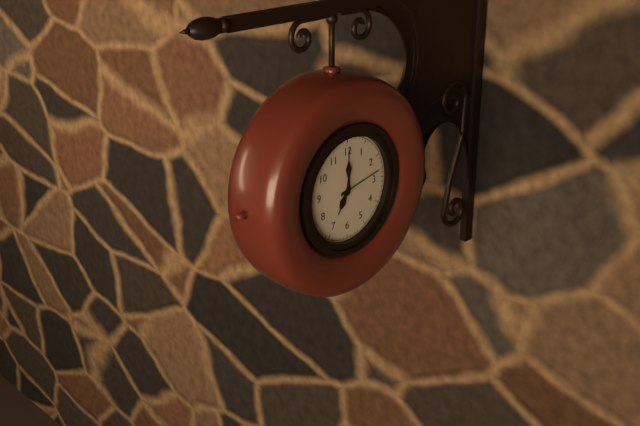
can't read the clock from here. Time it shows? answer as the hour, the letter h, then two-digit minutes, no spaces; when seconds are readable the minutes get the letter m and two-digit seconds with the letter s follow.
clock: 7h00m13s
